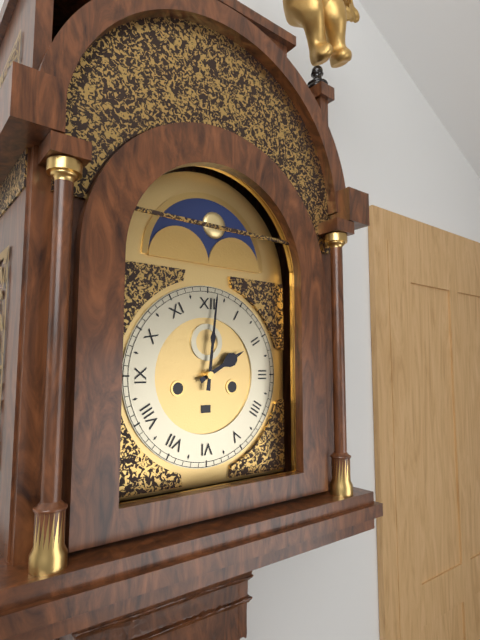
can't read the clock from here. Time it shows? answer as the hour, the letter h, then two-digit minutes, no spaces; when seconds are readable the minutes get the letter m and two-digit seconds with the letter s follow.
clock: 2h01
